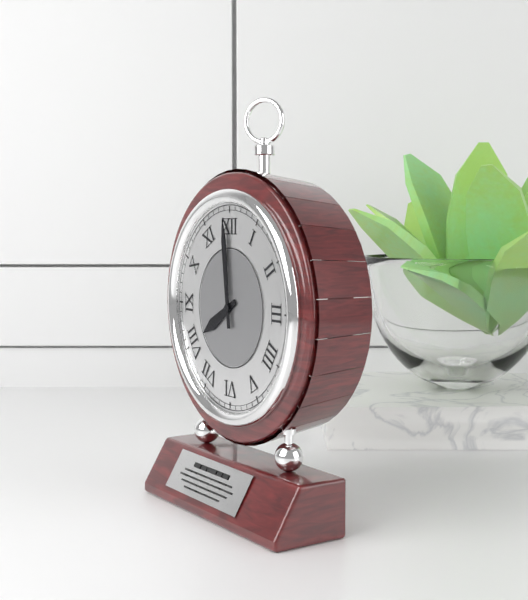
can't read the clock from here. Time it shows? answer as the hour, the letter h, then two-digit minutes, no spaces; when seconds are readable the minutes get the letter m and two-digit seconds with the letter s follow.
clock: 7h59
